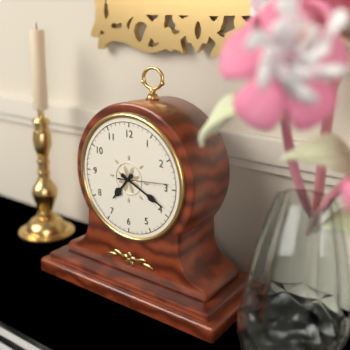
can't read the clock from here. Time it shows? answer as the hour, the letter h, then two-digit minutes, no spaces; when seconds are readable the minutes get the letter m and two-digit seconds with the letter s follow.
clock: 7h19m14s
